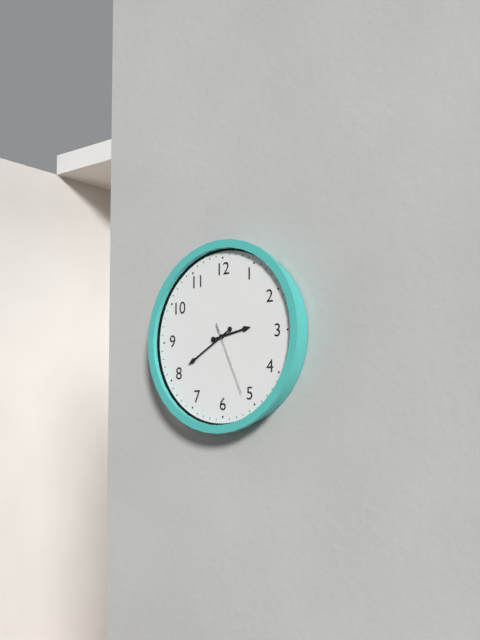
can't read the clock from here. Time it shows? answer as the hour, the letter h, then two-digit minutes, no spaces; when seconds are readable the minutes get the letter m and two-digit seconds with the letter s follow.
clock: 2h40m26s
